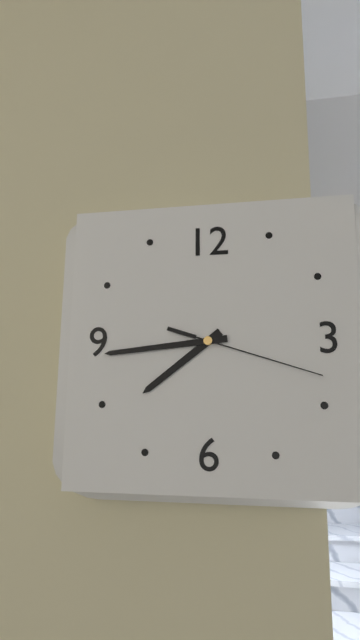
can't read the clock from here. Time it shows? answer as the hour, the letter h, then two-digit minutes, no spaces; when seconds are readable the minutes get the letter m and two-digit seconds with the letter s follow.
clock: 7h44m18s
